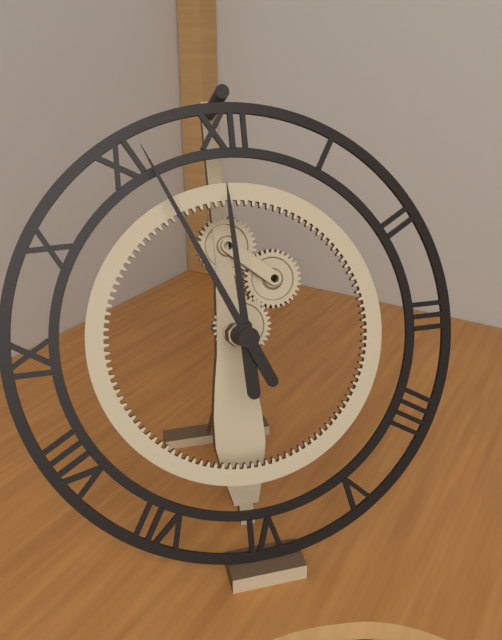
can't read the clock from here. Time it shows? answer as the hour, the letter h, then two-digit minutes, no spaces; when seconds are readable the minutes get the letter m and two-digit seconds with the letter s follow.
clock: 11h56
